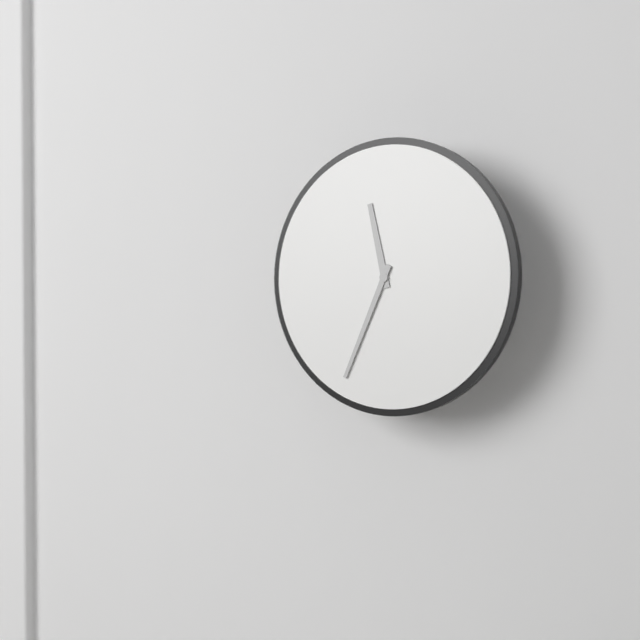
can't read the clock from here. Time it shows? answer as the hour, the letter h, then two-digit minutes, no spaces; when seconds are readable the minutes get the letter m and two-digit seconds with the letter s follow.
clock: 11h34
